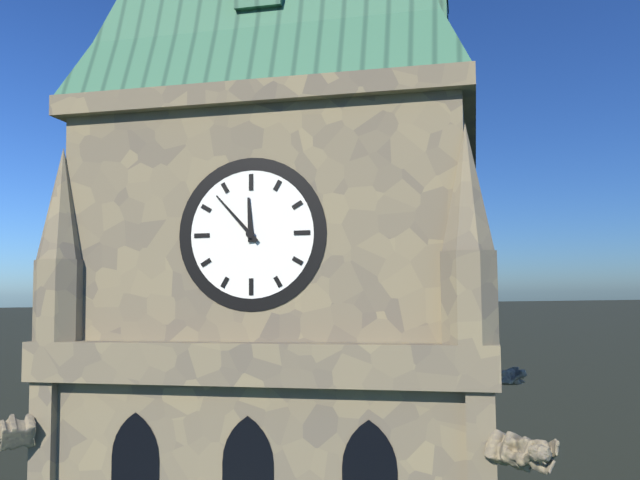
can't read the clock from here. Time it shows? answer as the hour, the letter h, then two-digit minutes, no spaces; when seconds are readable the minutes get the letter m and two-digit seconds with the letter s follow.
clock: 11h53
